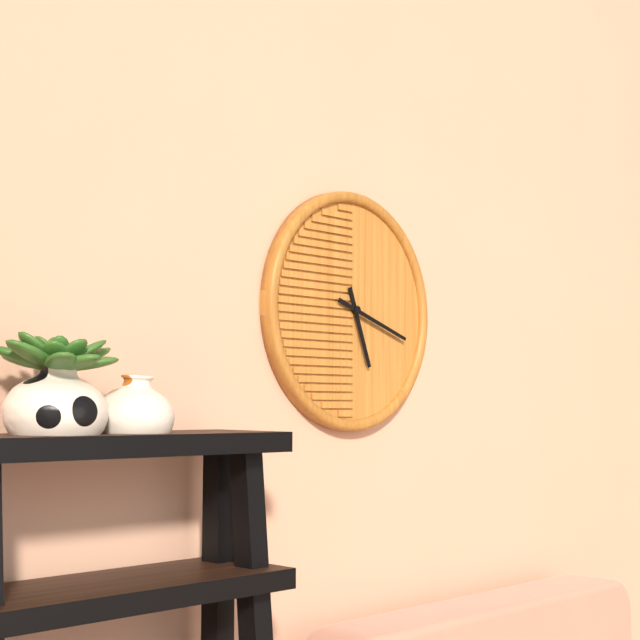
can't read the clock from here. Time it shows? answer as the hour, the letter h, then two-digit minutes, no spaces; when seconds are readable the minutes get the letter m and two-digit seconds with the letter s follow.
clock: 5h18
